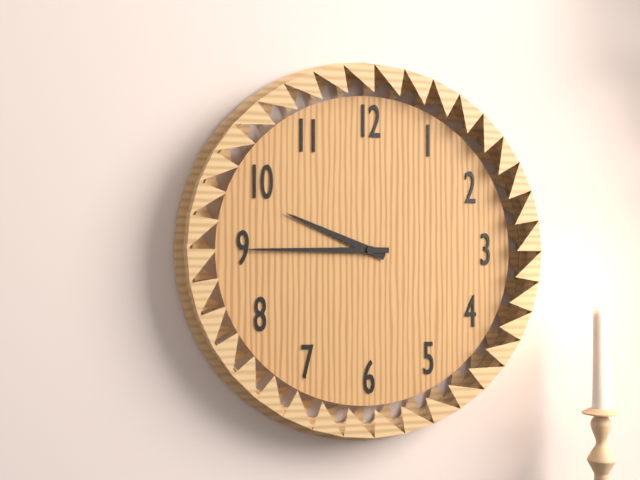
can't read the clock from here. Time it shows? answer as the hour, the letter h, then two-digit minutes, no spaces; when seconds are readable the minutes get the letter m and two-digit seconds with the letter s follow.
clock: 9h45
